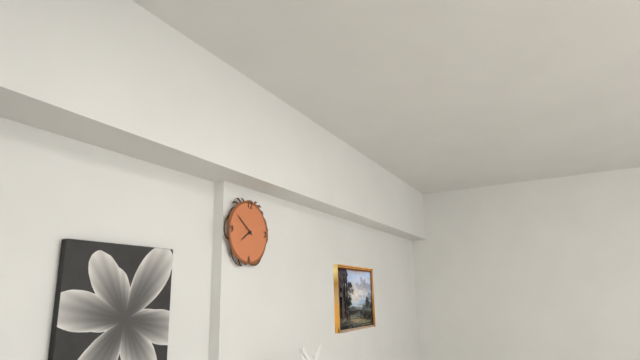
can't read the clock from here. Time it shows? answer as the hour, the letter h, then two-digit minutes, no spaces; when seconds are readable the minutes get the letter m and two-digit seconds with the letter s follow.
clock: 7h51
